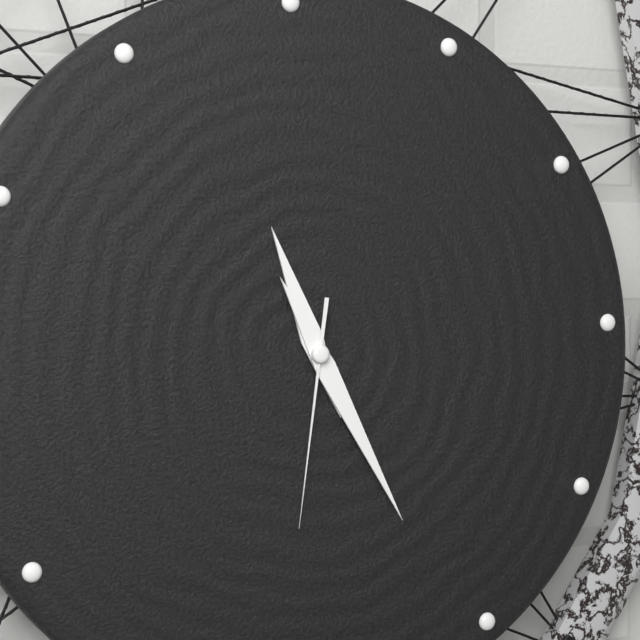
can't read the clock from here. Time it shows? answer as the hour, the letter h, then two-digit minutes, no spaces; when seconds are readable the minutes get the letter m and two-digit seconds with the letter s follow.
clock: 11h26m32s
